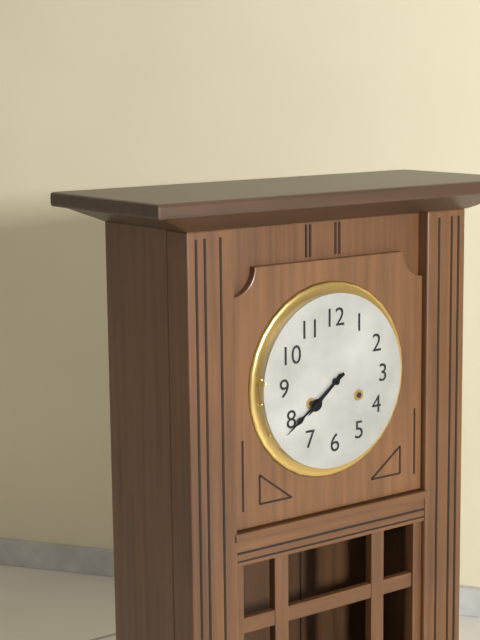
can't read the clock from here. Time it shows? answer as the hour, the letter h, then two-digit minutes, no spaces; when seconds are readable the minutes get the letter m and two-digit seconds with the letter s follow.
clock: 7h39
